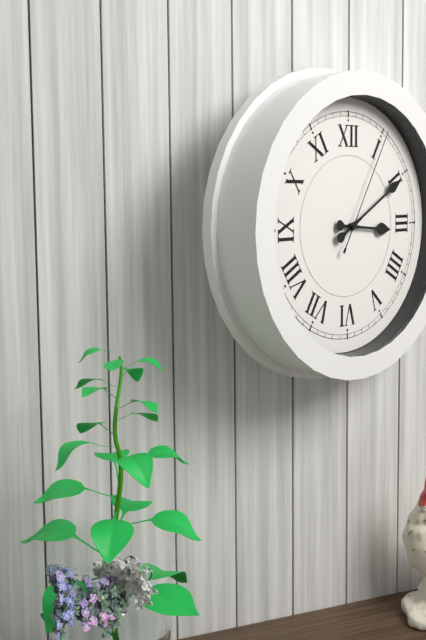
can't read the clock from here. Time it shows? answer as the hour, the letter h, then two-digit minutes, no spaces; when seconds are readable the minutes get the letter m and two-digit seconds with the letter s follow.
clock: 3h10m05s
